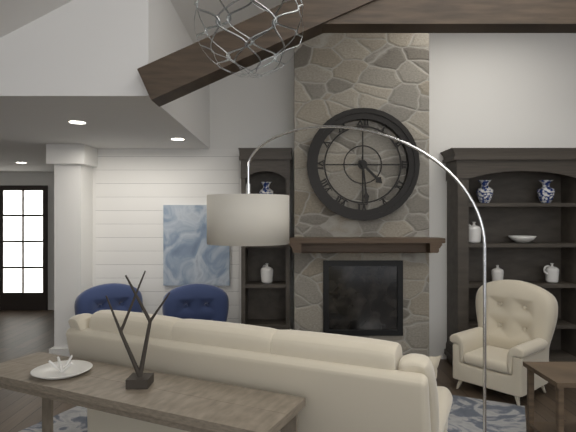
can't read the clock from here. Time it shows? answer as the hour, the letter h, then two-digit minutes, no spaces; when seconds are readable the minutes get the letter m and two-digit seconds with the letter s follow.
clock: 4h29
